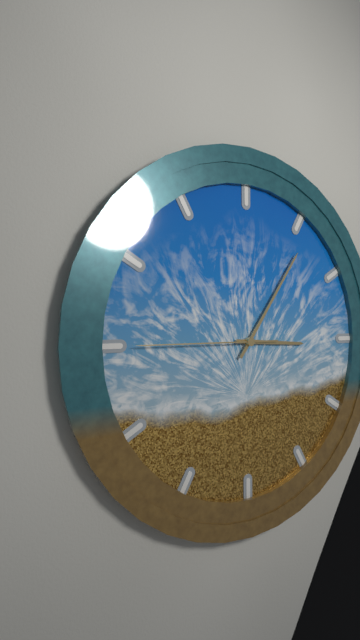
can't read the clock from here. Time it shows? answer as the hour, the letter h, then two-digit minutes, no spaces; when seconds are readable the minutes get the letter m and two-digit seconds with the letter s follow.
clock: 3h06m45s
